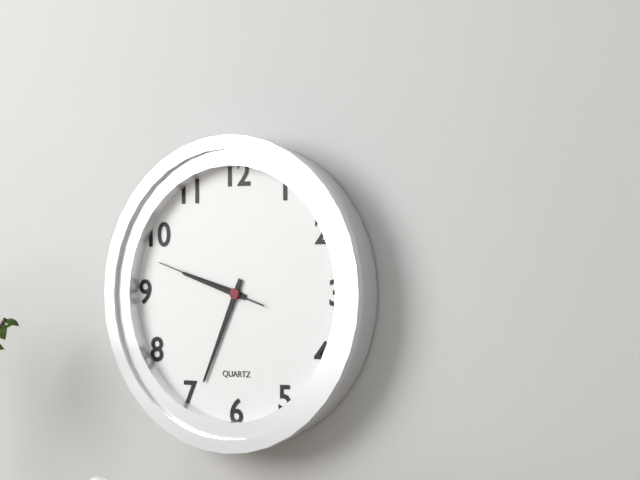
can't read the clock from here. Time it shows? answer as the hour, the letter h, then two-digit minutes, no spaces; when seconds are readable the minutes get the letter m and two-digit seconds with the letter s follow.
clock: 9h34m48s
